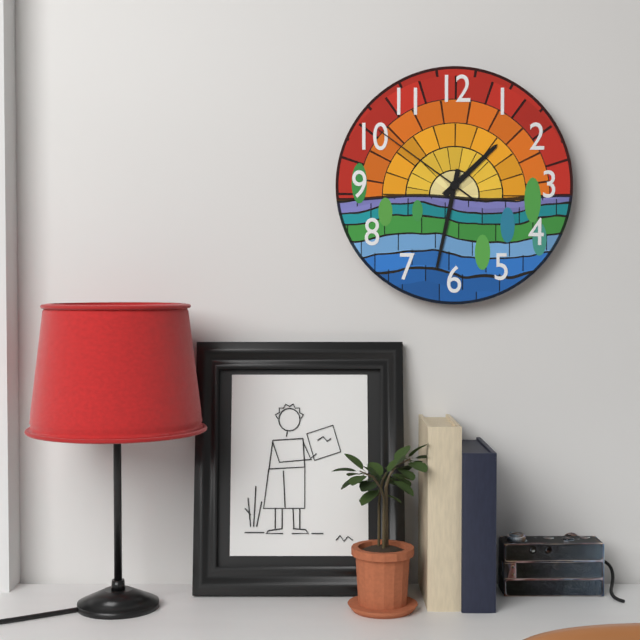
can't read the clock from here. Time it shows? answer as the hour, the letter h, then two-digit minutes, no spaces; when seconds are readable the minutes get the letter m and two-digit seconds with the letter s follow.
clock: 1h32m51s
